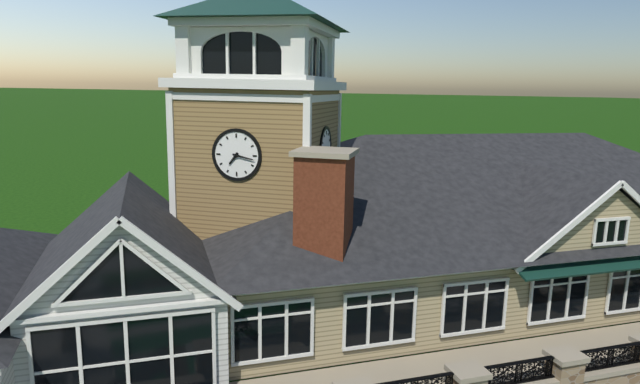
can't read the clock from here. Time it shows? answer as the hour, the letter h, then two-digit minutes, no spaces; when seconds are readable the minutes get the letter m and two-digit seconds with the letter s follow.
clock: 7h17
